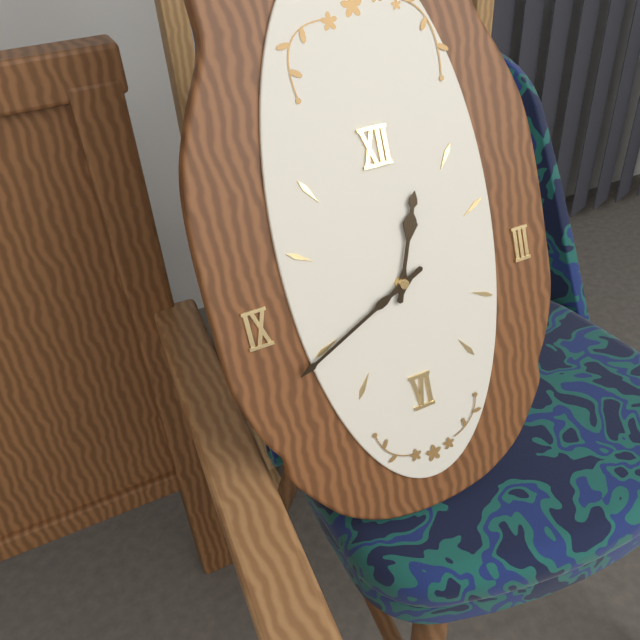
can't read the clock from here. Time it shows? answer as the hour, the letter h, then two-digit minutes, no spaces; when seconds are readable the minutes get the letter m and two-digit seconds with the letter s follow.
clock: 12h41
